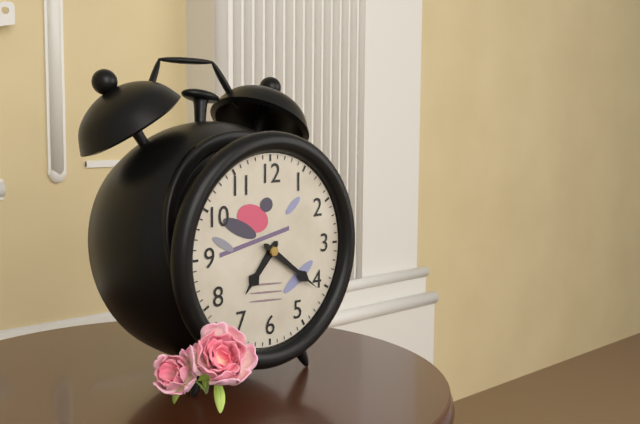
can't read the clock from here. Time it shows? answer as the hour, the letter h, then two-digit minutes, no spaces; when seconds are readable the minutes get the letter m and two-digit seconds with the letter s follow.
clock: 7h21
